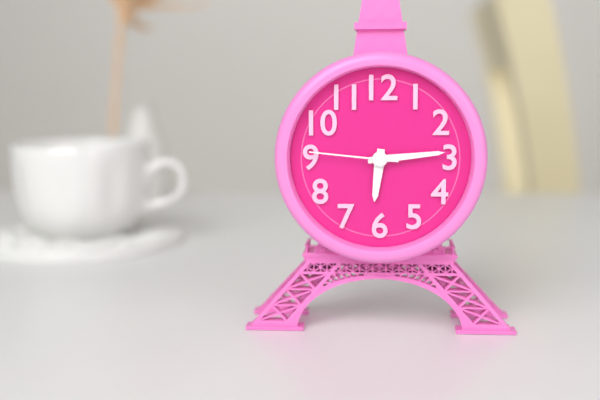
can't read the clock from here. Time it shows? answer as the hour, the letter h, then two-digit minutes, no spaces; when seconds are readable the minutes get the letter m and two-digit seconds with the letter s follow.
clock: 6h14m46s
